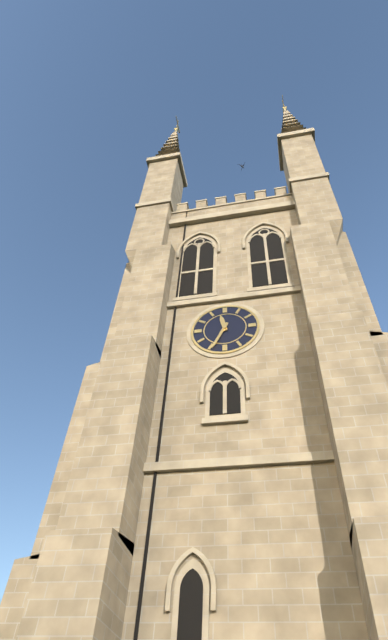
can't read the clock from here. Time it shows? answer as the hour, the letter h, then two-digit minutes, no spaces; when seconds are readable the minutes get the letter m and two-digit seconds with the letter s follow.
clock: 11h34
